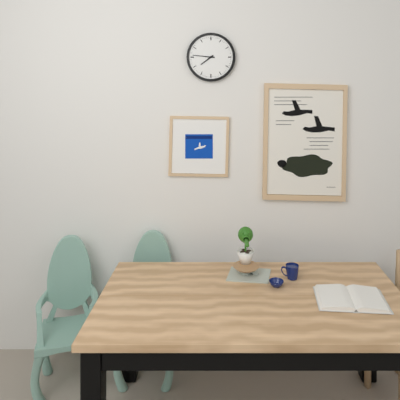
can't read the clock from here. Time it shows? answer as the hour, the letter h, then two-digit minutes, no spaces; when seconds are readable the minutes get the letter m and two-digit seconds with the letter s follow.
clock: 7h46
